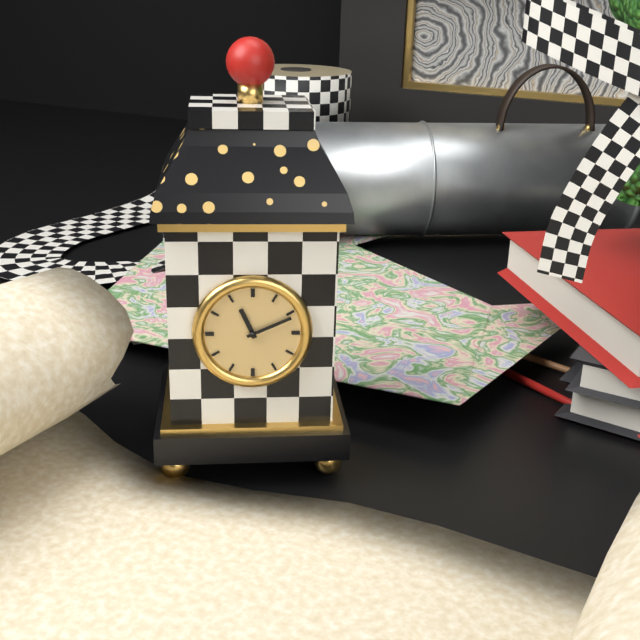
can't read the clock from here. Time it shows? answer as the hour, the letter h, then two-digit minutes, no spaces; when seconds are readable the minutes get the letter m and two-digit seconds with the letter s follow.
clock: 11h11
